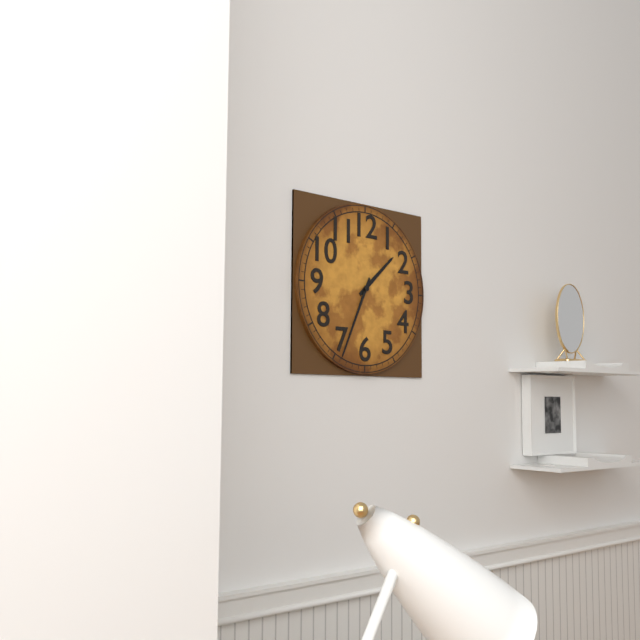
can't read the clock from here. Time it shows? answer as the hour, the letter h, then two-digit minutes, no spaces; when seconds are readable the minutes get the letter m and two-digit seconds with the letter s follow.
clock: 1h34
